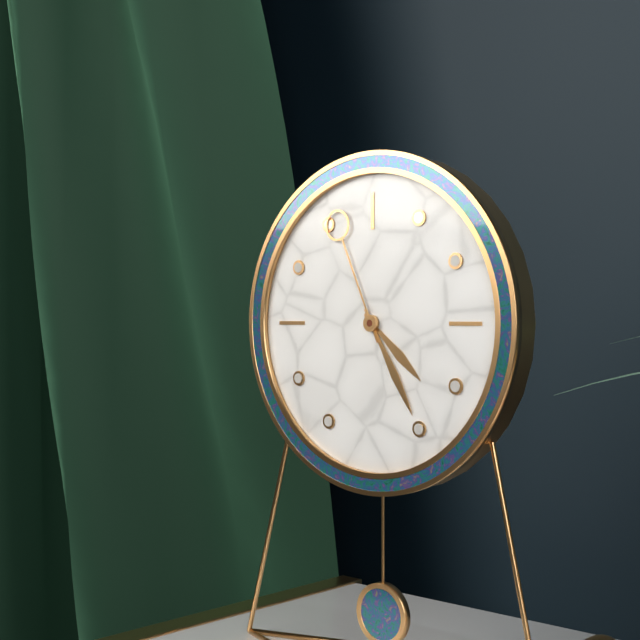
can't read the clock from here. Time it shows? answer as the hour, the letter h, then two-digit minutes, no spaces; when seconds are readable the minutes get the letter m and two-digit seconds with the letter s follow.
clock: 4h25m56s
